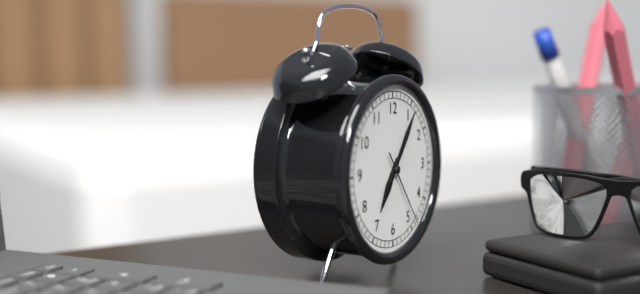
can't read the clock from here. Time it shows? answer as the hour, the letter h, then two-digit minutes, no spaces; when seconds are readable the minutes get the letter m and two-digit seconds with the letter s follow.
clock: 7h06m24s
